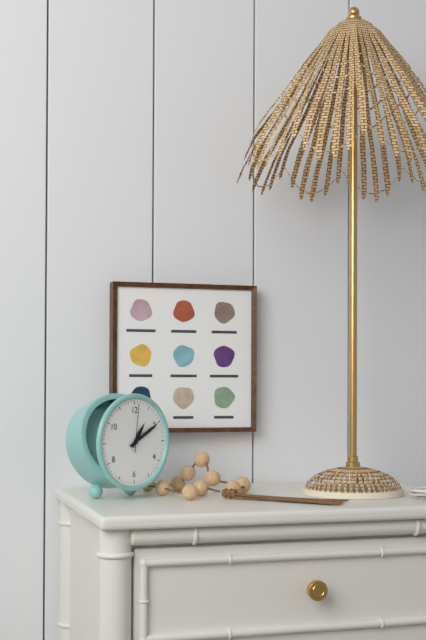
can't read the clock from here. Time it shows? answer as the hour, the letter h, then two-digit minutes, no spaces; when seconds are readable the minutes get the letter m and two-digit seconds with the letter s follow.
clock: 1h10
